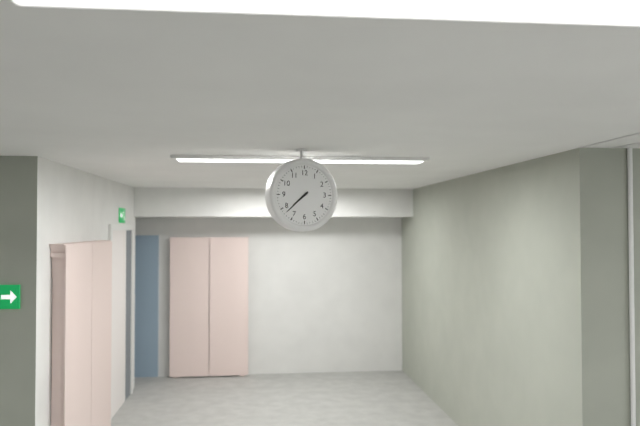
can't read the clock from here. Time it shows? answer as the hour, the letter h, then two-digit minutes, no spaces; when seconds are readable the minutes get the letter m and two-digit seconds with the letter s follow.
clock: 7h38
